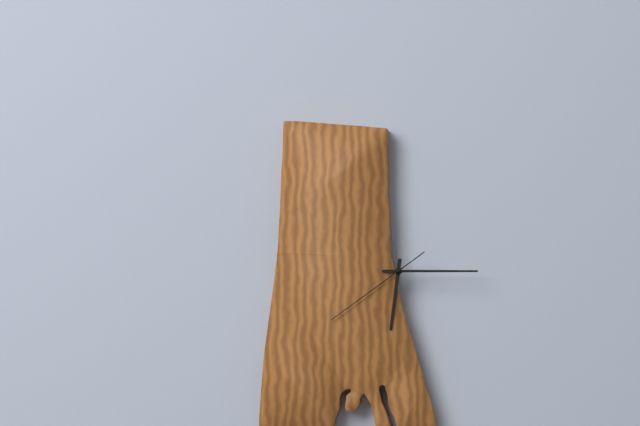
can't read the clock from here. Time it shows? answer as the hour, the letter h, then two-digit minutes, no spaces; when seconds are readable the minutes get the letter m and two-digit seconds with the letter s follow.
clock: 6h15m39s
